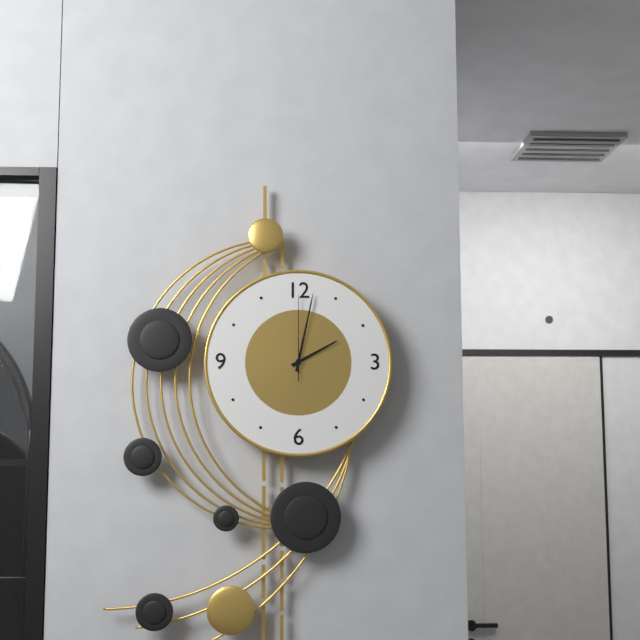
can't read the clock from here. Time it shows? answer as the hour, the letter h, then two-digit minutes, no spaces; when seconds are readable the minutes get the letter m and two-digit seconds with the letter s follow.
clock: 2h02m00s
